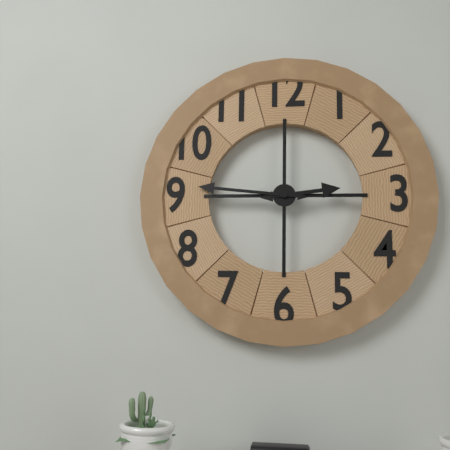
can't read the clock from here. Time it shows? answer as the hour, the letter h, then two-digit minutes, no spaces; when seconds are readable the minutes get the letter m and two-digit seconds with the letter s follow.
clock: 2h46
